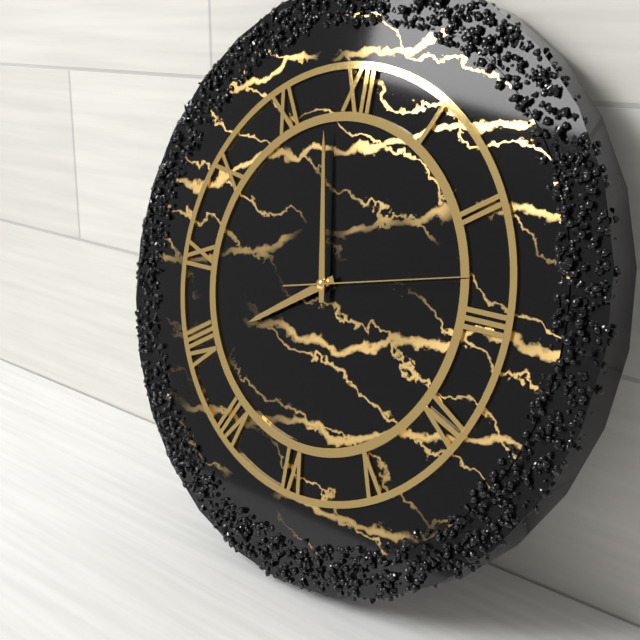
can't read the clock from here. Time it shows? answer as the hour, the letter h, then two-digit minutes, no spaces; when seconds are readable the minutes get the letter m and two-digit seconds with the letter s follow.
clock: 7h58m13s
